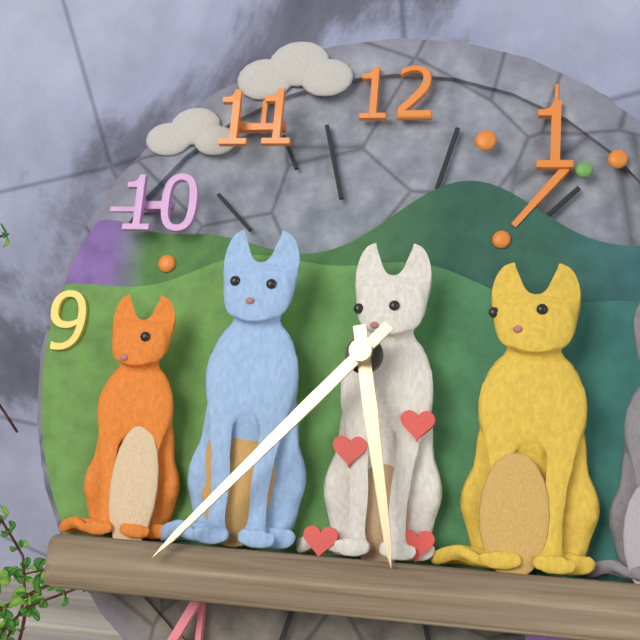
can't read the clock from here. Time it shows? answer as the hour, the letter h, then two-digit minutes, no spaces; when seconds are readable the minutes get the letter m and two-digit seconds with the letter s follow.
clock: 5h37
